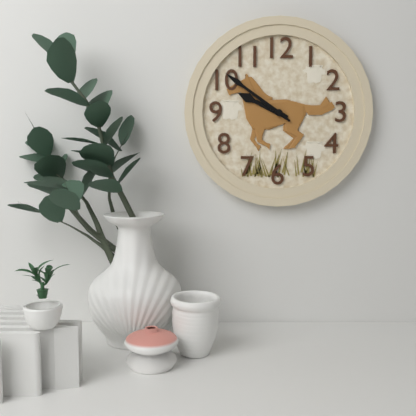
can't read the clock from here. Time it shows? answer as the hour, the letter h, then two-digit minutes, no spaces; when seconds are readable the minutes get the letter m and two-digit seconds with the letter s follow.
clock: 9h51
